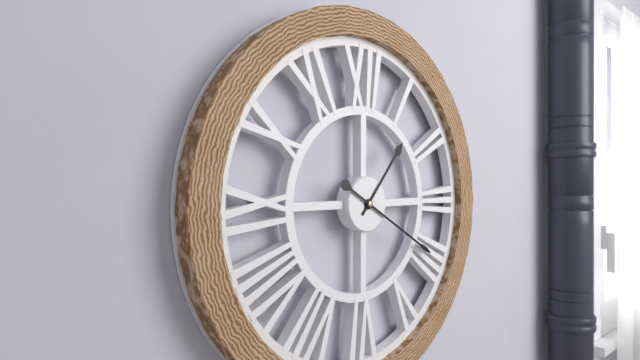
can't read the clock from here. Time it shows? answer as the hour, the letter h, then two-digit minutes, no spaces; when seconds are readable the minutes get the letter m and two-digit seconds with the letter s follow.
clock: 1h20
